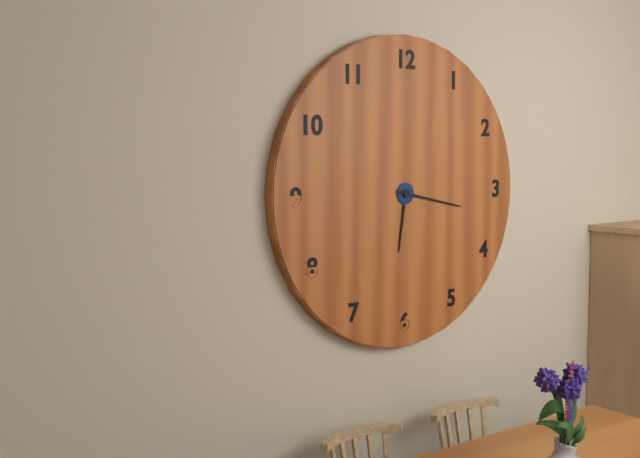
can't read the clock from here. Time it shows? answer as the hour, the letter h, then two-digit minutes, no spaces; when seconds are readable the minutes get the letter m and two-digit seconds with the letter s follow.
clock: 6h17
